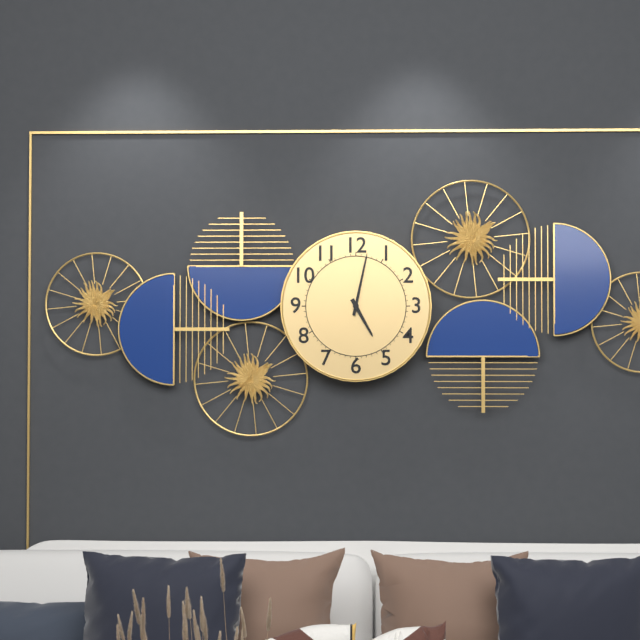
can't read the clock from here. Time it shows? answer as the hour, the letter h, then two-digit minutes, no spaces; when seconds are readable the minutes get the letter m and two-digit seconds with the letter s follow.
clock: 5h02
